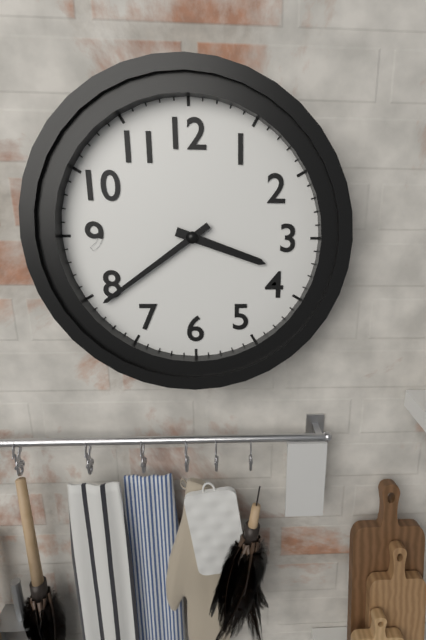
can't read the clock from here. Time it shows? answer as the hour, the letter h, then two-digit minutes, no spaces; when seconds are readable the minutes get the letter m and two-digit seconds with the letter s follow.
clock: 3h39
